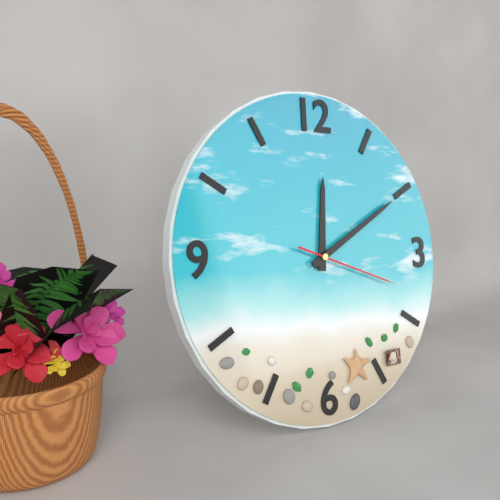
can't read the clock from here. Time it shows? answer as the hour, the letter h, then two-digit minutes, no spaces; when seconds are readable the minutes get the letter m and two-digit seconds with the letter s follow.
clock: 12h10m18s
